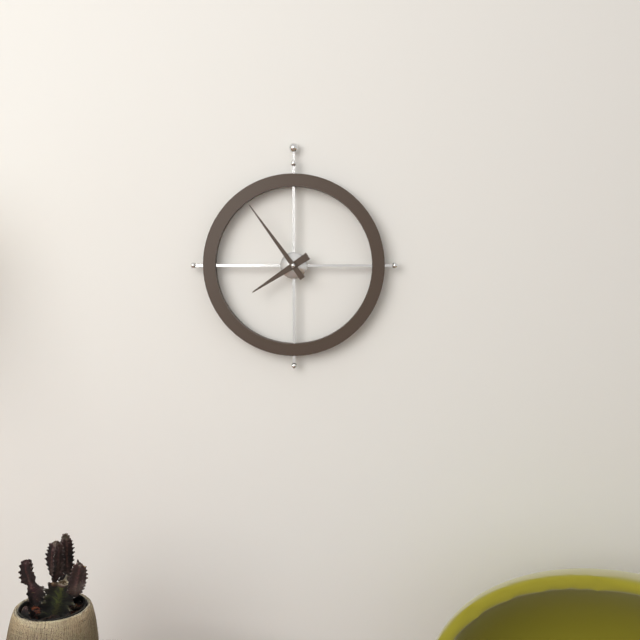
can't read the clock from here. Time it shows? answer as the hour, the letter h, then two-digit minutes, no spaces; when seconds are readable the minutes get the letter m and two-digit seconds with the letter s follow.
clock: 7h54
